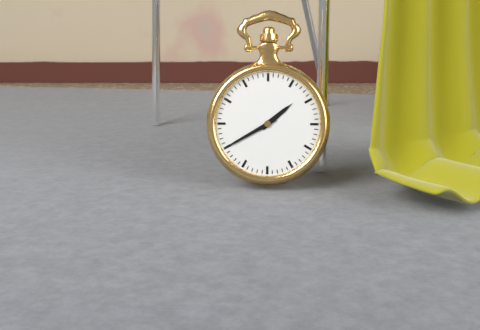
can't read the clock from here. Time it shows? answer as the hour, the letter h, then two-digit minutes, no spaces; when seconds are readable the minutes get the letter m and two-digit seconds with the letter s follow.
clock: 1h40
